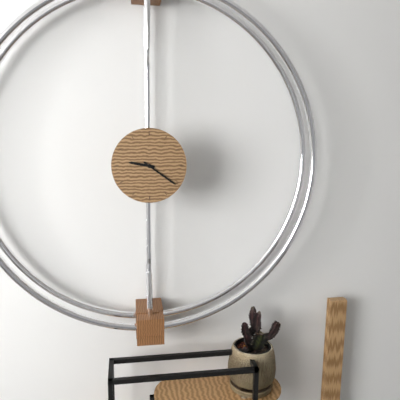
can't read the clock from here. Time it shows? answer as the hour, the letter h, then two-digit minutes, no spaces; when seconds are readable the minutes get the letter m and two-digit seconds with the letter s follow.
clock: 9h21
